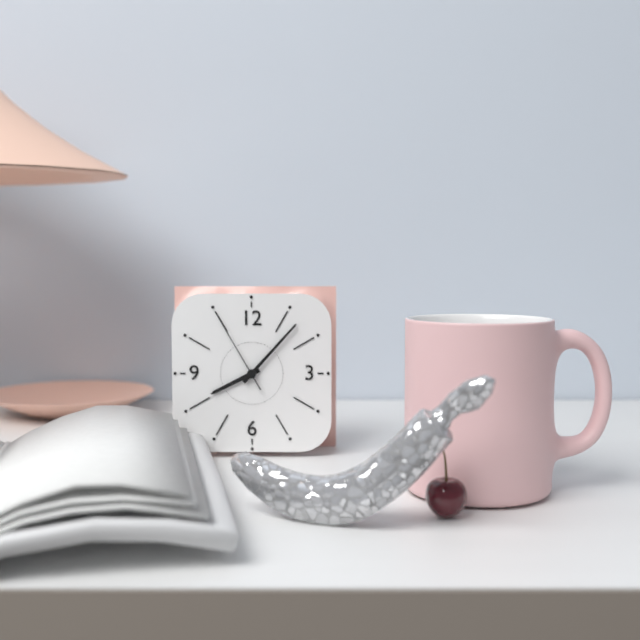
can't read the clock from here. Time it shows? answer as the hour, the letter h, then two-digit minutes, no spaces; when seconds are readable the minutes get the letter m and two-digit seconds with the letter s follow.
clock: 8h07m55s
